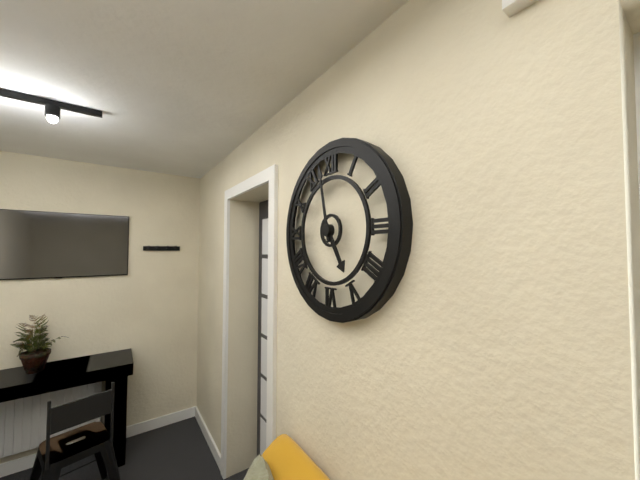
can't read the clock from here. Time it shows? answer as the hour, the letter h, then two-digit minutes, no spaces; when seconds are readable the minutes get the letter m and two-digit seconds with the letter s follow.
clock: 4h58
